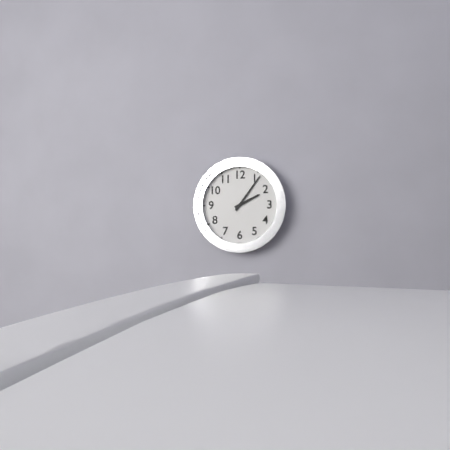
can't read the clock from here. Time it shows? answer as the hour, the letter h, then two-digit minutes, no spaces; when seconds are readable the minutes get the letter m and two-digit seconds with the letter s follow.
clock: 2h06
